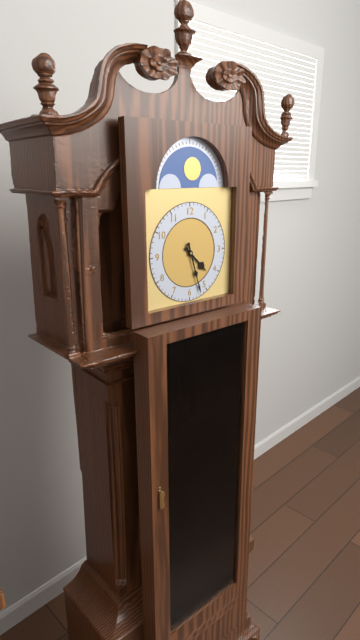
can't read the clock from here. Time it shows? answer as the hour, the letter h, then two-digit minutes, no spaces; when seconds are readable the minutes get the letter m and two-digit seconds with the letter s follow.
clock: 4h27
